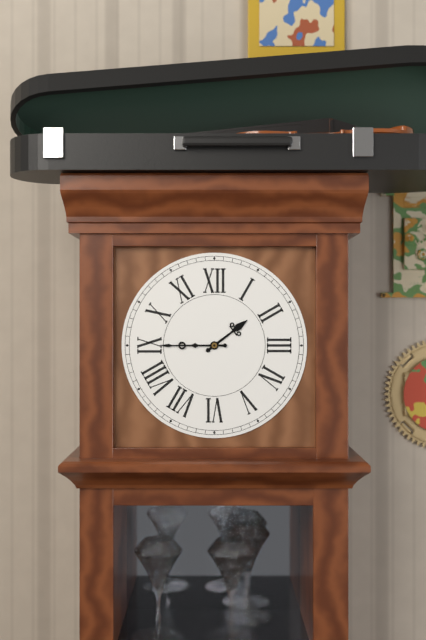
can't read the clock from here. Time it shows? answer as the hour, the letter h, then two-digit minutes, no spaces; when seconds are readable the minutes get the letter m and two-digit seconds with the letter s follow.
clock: 1h45
